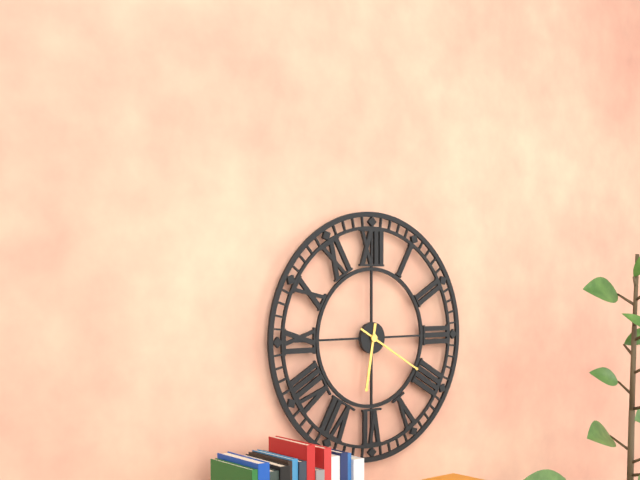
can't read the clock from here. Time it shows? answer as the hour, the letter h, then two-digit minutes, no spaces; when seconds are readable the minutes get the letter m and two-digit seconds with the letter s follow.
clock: 6h20
